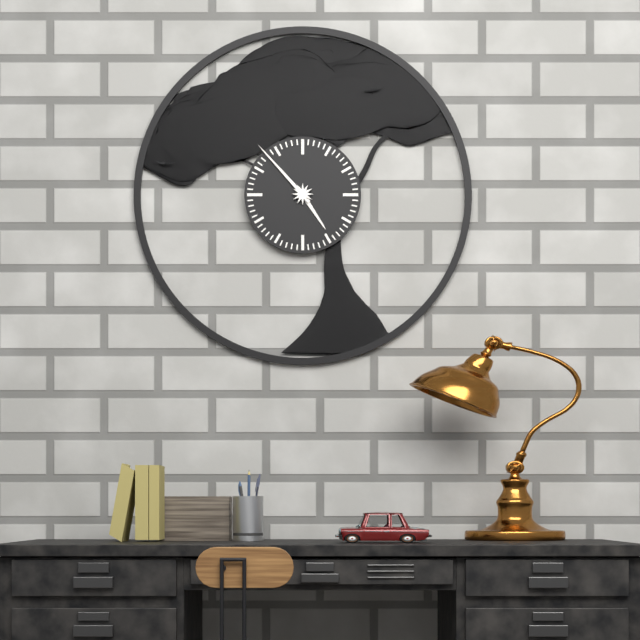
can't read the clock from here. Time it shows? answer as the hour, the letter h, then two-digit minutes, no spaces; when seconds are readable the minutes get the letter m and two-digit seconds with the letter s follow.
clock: 4h53
